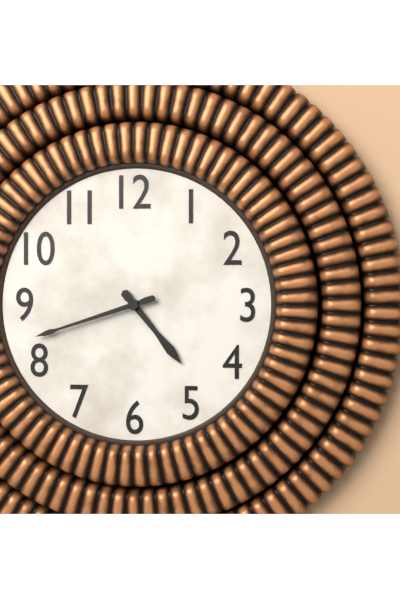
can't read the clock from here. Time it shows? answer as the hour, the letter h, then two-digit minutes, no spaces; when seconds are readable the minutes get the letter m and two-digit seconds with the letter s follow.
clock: 4h42
